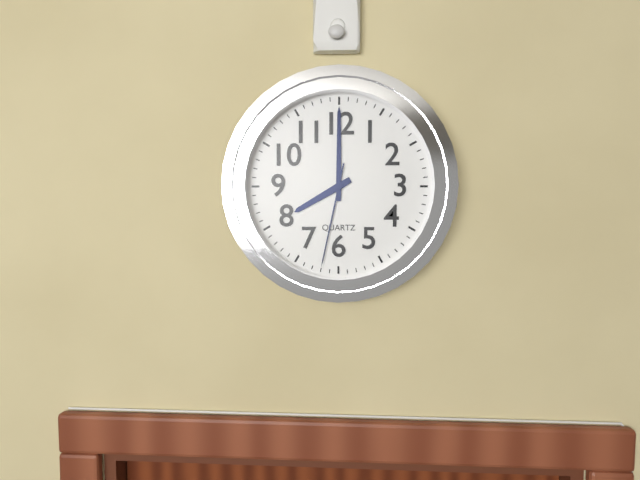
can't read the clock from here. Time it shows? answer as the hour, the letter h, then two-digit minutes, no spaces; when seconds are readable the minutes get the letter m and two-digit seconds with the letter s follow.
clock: 8h00m32s
